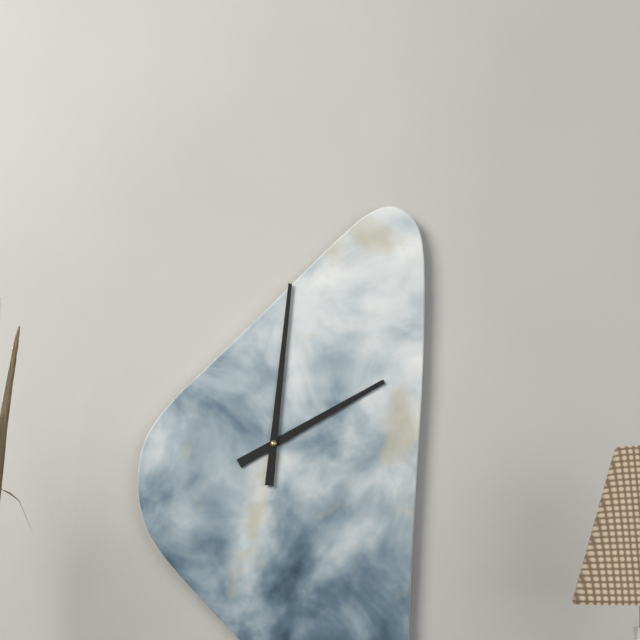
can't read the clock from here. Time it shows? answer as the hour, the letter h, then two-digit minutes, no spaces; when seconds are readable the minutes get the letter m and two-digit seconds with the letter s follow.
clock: 2h01
